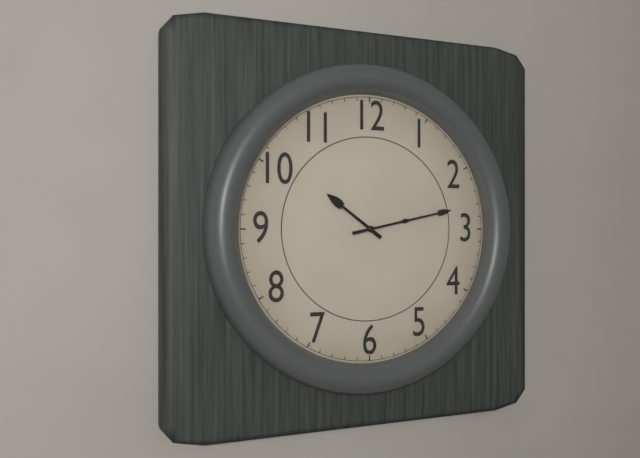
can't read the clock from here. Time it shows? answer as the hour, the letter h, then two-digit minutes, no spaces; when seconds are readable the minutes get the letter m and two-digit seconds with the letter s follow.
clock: 10h13
